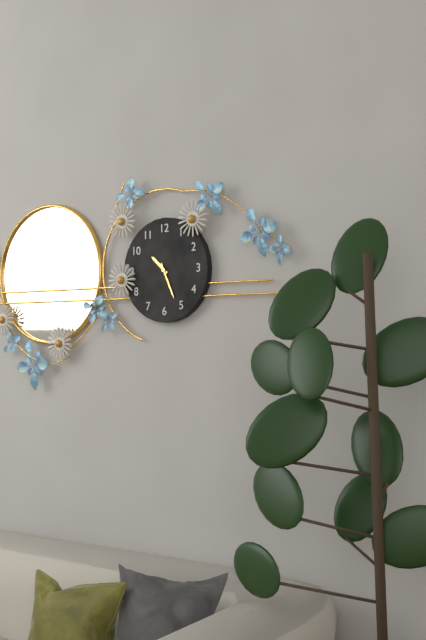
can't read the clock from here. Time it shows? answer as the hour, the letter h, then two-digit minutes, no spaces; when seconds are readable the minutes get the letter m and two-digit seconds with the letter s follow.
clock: 10h26
